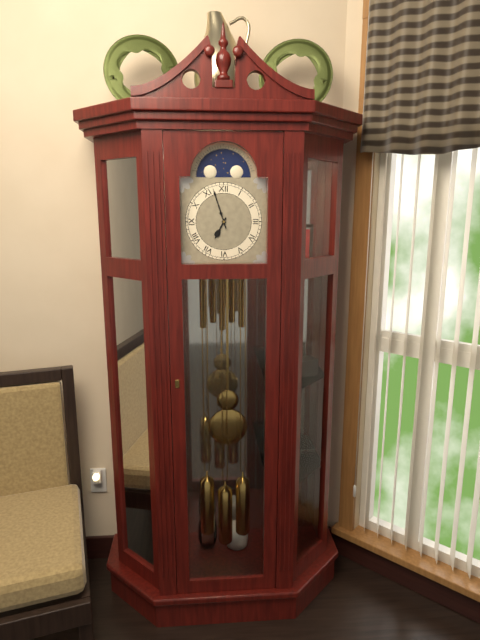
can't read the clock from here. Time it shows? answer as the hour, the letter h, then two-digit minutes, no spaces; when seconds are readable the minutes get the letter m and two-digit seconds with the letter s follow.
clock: 6h57
